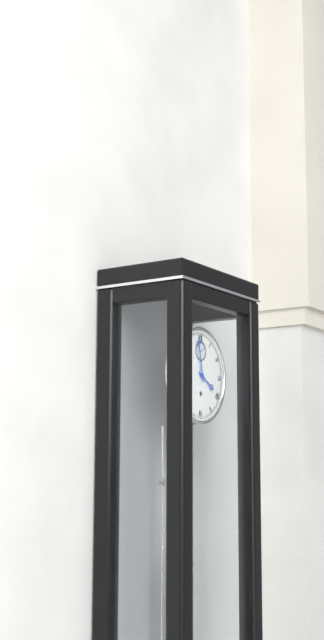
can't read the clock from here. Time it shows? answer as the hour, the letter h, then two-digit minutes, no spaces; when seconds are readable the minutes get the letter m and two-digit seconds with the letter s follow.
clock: 3h58
